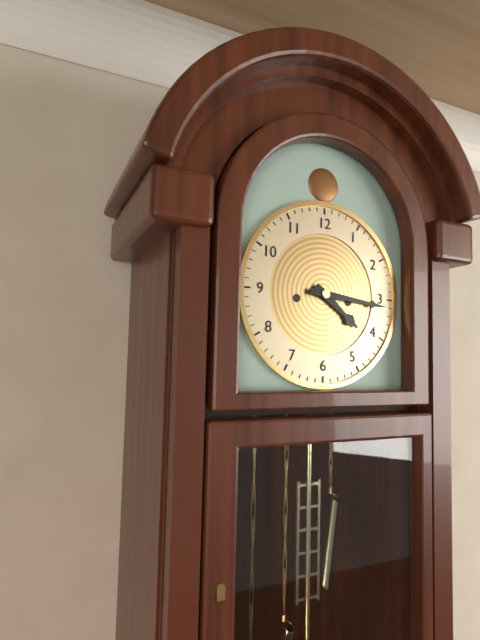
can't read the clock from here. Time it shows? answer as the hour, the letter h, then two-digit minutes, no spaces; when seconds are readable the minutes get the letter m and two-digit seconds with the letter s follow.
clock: 4h16
